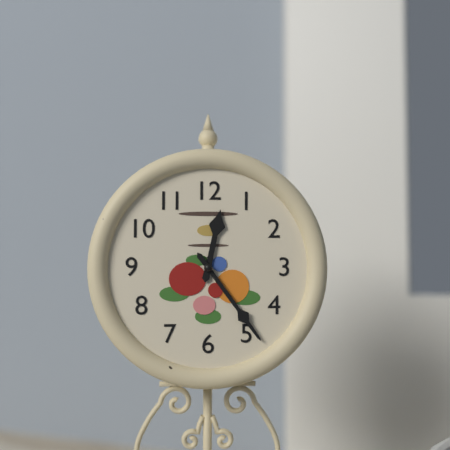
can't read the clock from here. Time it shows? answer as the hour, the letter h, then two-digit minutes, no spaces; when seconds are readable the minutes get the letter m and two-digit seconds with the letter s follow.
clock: 12h24
